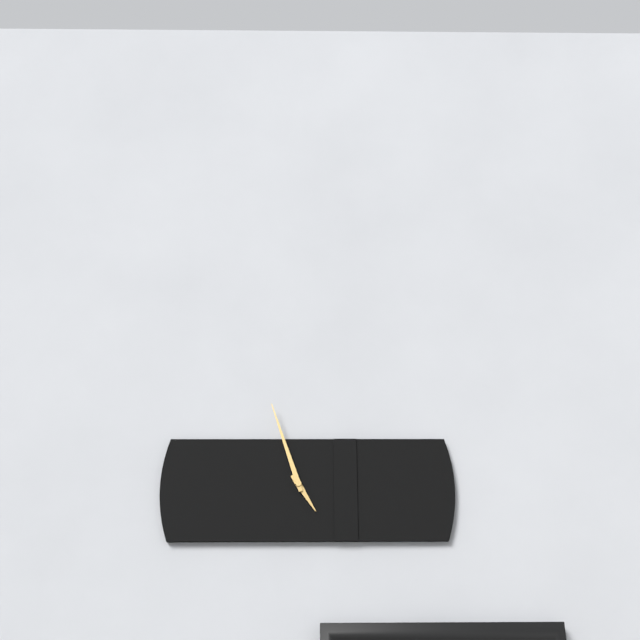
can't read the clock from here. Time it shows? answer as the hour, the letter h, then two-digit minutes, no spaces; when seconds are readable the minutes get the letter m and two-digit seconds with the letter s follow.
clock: 4h57
